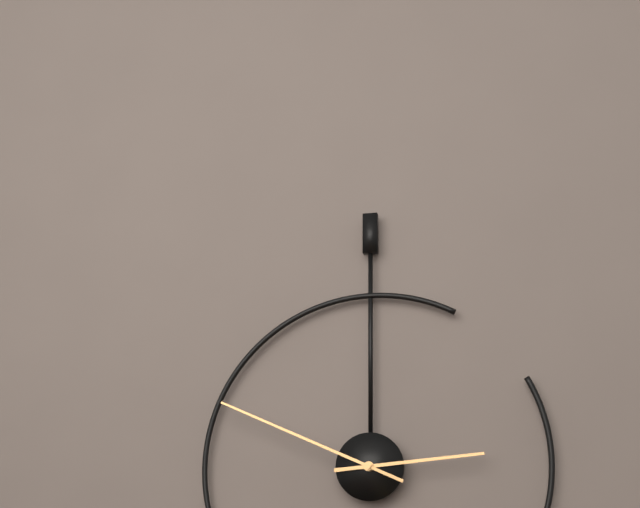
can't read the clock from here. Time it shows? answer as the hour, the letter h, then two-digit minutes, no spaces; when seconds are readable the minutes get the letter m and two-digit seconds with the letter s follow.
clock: 2h49
